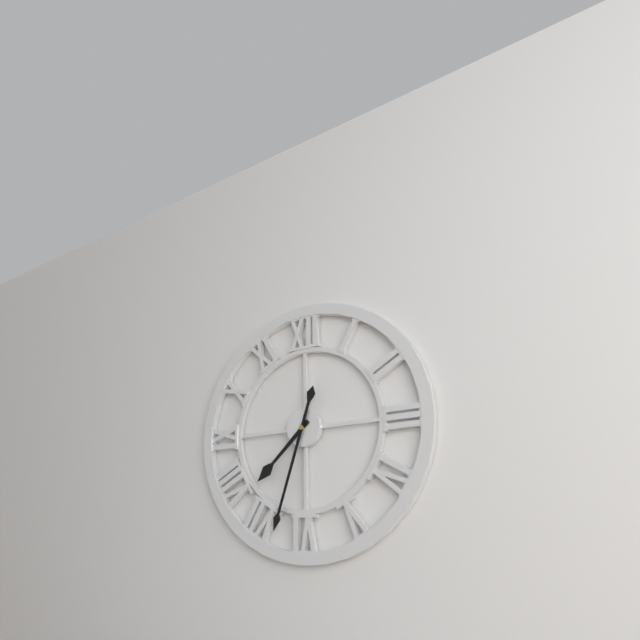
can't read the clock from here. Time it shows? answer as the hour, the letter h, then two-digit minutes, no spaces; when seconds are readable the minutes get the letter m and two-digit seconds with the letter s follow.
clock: 7h33
